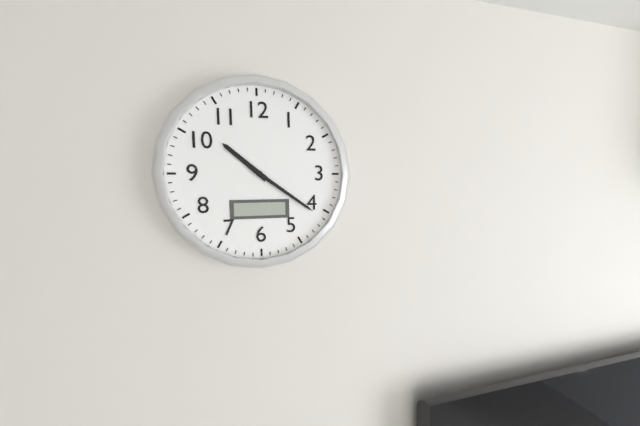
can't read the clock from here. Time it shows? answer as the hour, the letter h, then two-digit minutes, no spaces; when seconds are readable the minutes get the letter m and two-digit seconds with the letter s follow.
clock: 10h21
